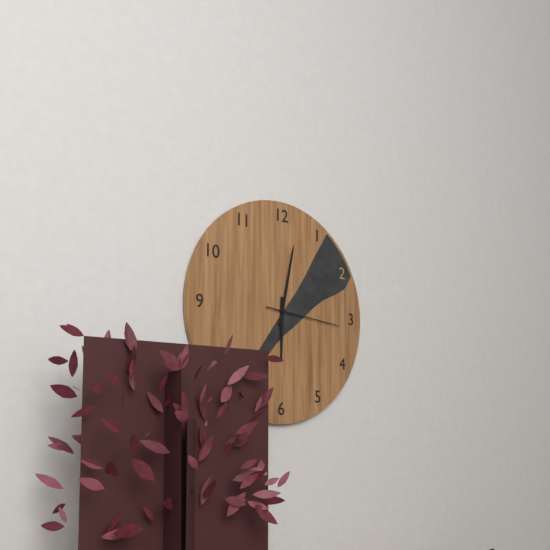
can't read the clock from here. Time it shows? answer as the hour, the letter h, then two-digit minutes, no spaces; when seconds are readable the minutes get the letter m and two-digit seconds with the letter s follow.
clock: 6h02m16s
